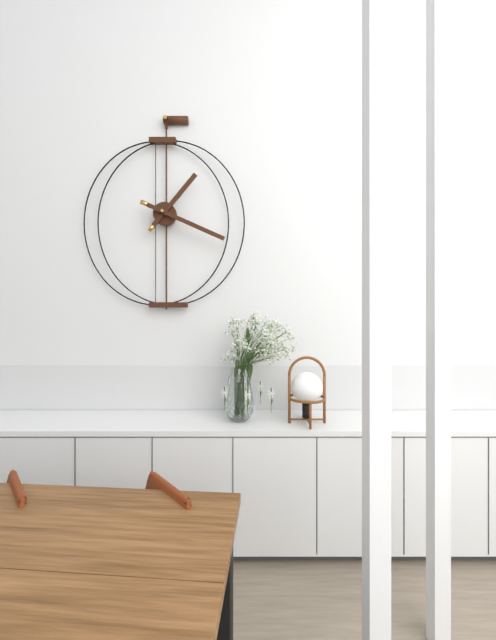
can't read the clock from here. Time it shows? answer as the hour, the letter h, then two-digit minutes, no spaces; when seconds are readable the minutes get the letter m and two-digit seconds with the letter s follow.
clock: 1h19
